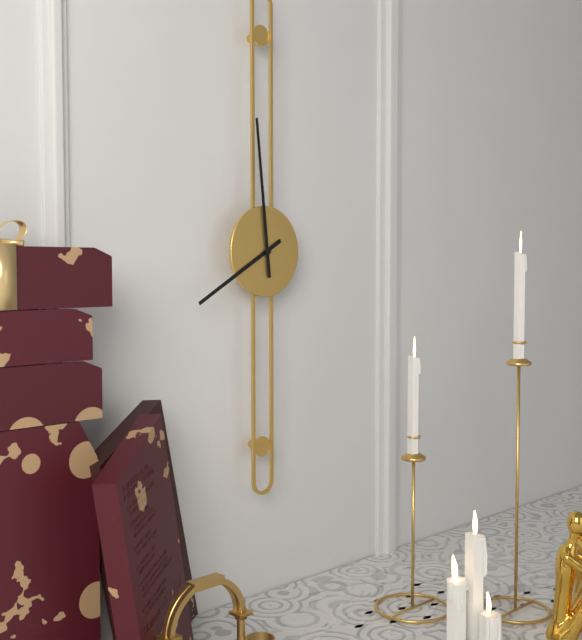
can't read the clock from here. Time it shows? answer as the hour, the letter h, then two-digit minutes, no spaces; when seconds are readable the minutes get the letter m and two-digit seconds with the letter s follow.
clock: 7h59
